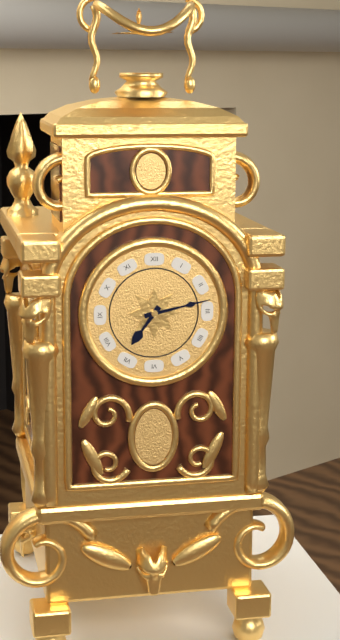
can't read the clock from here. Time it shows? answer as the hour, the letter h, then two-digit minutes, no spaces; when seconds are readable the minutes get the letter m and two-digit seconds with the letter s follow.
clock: 7h13
